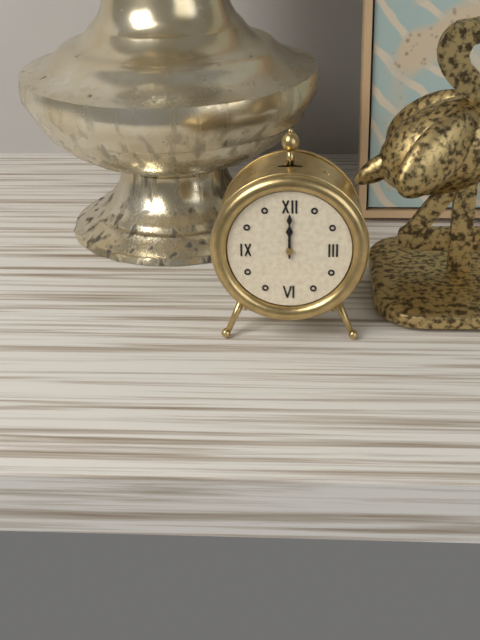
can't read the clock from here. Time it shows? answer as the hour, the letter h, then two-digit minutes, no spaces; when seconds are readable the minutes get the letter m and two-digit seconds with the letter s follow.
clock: 12h00
